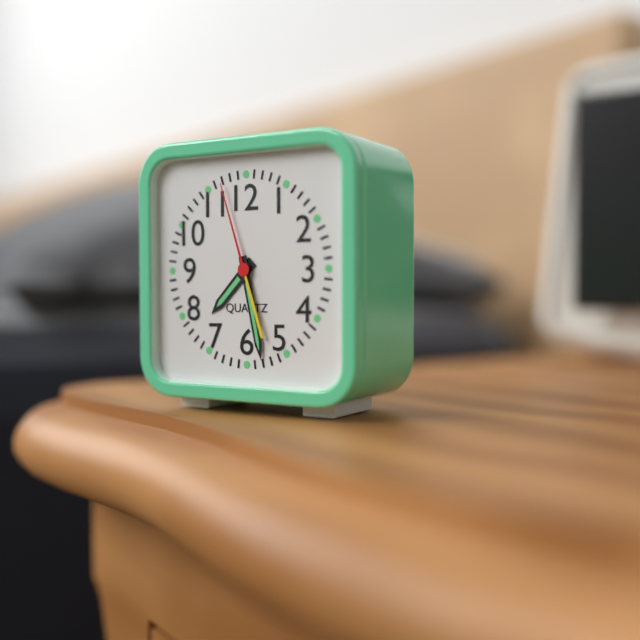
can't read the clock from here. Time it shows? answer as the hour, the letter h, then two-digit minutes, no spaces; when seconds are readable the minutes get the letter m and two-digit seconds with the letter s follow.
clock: 7h28m57s
